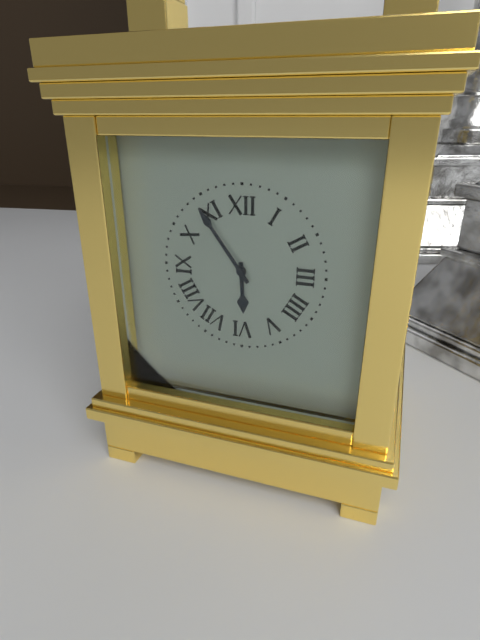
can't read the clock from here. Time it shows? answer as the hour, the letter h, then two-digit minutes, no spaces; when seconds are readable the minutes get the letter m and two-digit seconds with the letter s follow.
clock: 5h54
